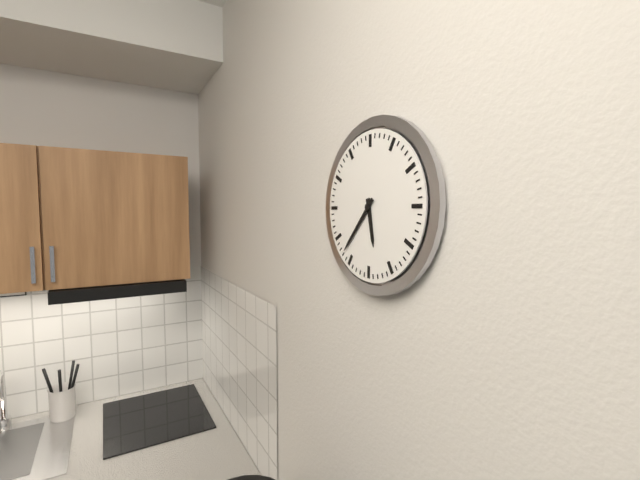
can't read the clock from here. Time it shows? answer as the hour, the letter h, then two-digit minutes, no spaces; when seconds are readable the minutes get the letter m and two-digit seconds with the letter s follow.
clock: 5h37
